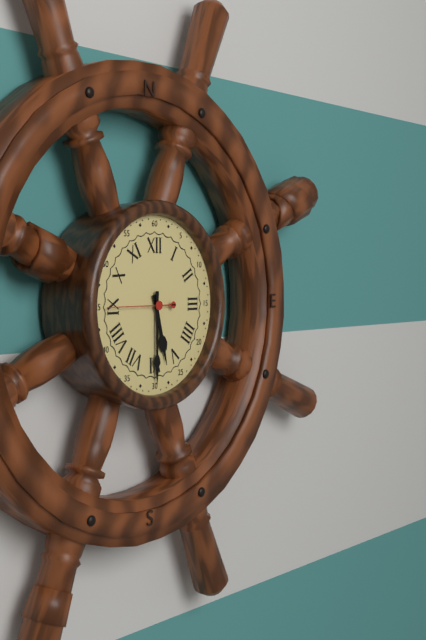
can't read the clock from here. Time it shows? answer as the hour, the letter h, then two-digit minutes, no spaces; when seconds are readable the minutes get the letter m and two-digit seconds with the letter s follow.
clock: 5h30m45s
